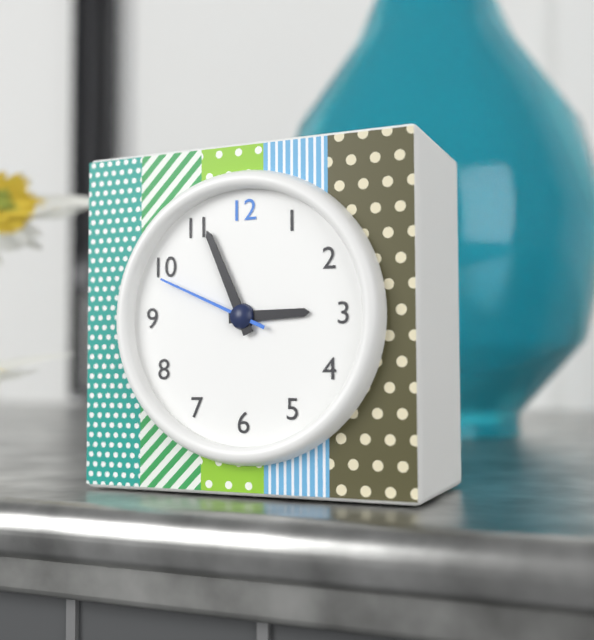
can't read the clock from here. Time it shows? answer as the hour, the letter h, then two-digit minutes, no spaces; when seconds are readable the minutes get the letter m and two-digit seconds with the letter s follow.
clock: 2h56m49s
